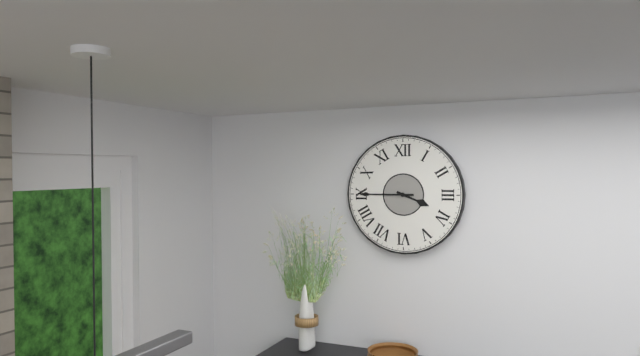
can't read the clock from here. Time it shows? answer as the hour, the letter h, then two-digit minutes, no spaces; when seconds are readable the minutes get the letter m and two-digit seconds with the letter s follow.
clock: 3h45
